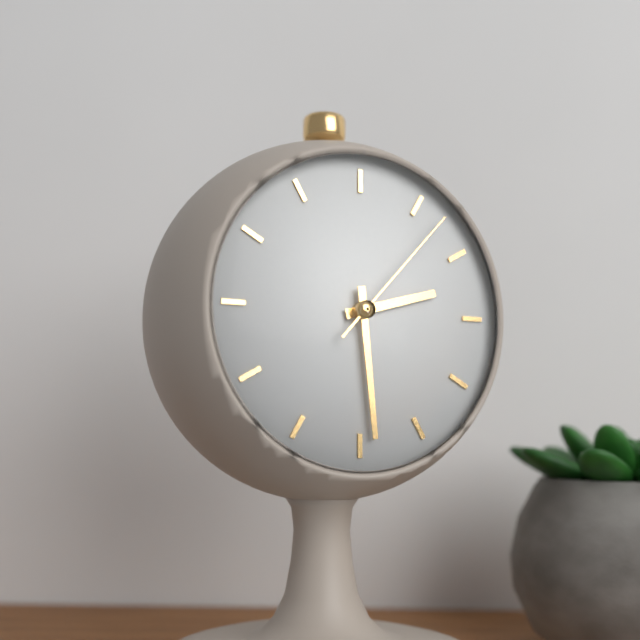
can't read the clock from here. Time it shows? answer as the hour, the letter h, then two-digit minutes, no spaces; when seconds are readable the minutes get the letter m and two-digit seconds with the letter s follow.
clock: 2h29m07s
